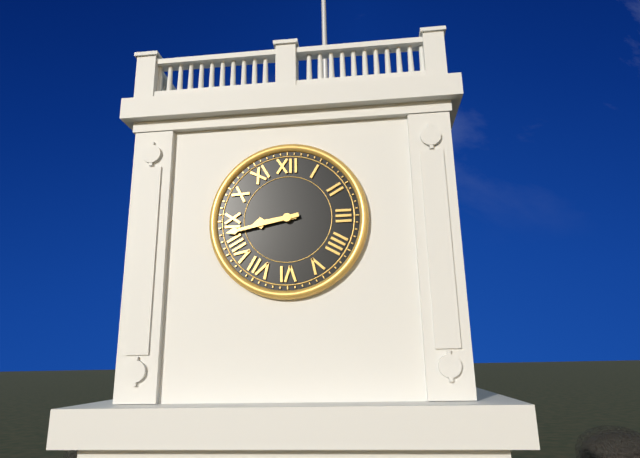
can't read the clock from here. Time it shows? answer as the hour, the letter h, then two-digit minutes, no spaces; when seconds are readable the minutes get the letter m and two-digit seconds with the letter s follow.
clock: 8h43
